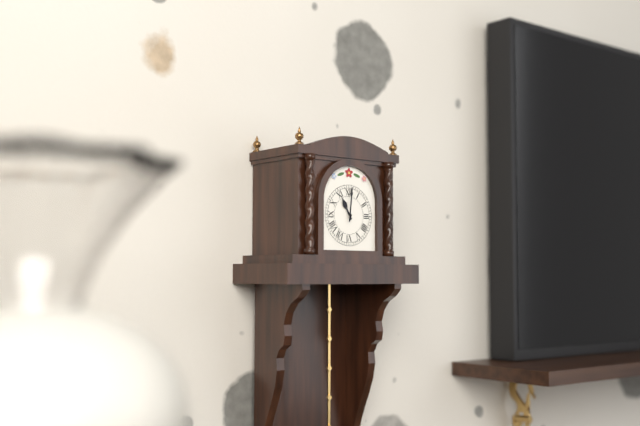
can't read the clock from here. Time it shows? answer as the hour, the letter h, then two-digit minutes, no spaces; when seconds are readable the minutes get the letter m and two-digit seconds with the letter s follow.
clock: 11h01
